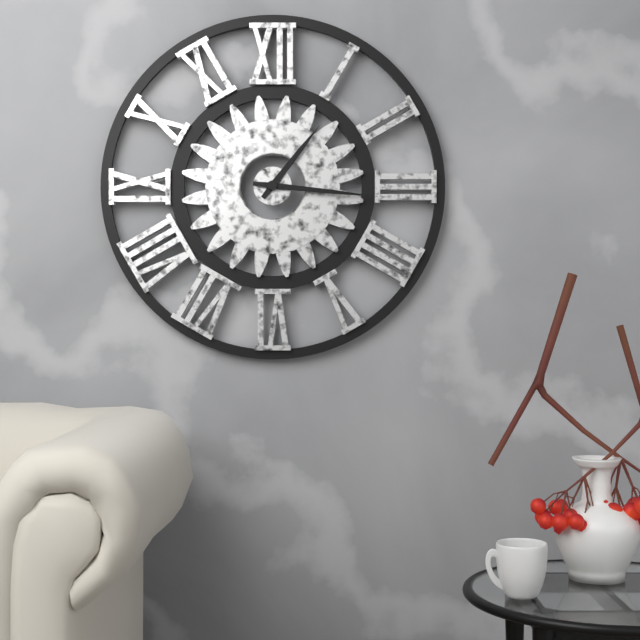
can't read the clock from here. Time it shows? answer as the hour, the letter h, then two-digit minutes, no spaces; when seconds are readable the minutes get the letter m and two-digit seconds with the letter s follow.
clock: 1h16
